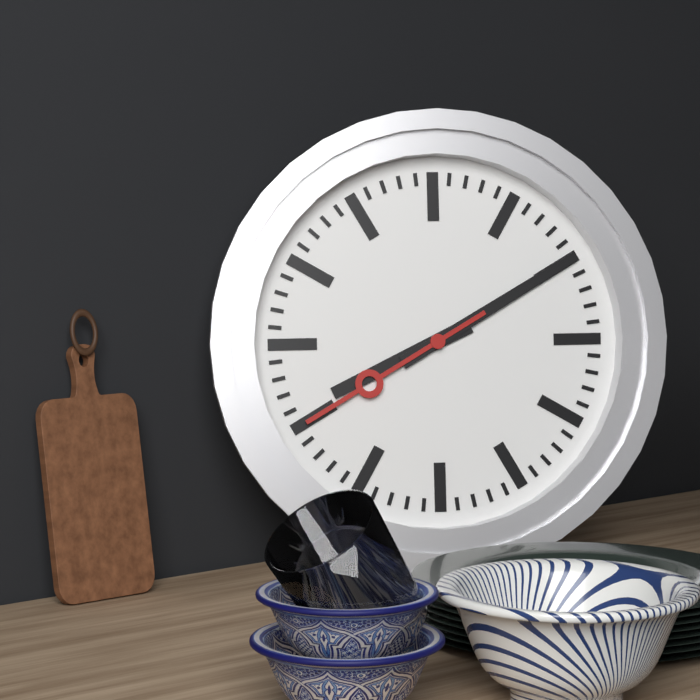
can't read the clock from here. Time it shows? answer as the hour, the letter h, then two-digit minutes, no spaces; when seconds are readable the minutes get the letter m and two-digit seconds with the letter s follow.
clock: 8h10m40s
